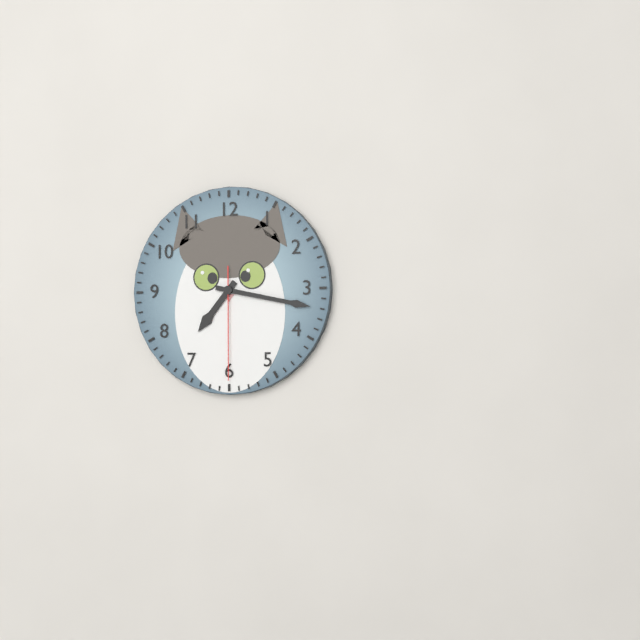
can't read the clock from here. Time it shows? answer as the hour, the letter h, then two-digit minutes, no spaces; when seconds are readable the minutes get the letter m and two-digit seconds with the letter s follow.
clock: 7h17m30s
